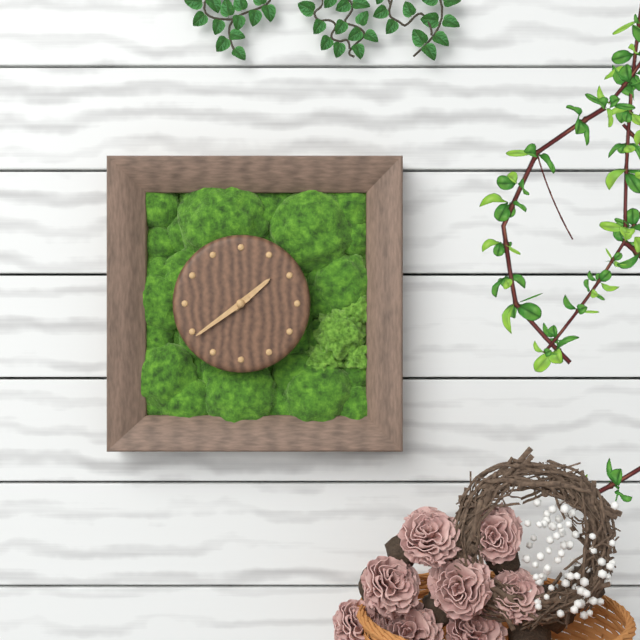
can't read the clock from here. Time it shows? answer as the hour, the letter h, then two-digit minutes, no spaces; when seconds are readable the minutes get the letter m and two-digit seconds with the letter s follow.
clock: 1h39
